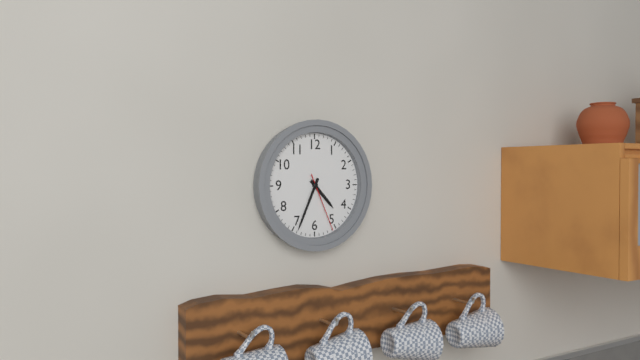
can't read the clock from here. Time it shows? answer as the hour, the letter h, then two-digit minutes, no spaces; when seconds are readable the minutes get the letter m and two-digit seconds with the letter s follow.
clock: 4h34m26s
